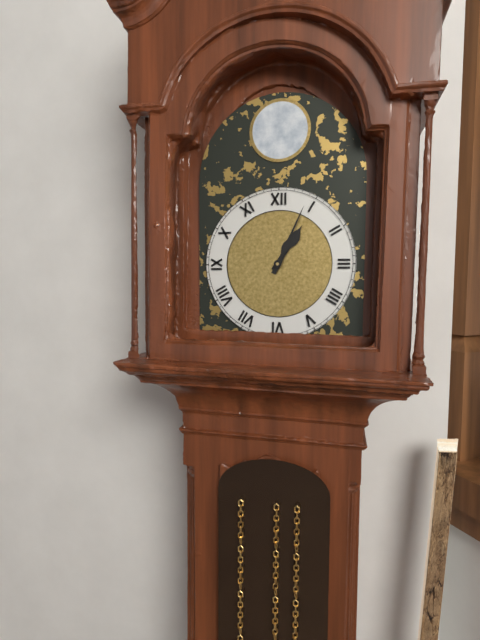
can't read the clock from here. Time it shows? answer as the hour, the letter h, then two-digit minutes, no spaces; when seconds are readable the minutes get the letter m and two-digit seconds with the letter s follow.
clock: 1h04
